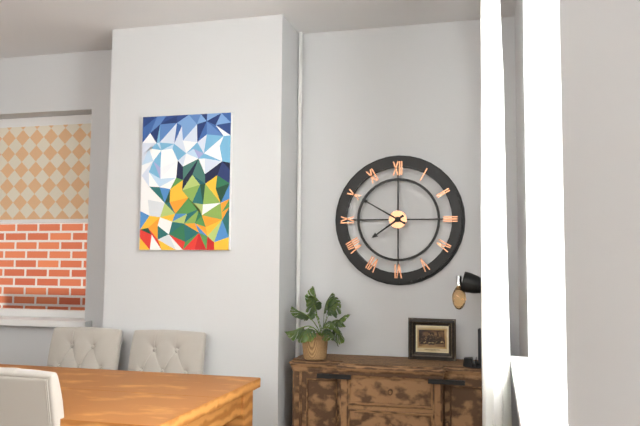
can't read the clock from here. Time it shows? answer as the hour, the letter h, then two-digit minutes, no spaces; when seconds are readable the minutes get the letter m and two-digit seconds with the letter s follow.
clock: 7h50
